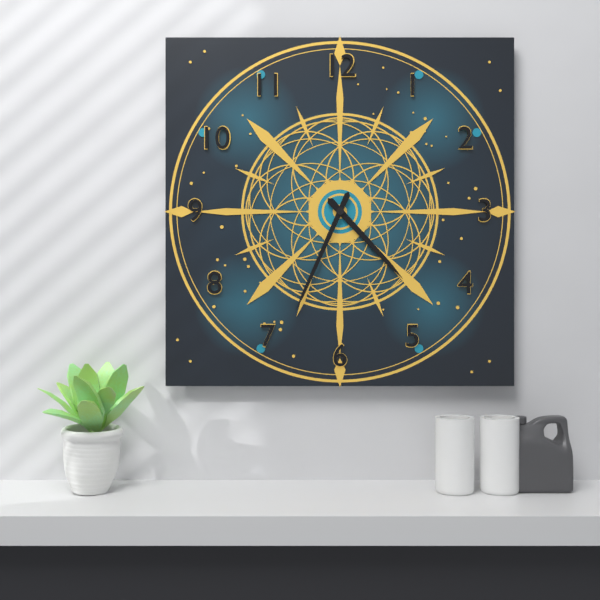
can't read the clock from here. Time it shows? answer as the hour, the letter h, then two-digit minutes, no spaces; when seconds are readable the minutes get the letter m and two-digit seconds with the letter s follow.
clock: 4h34
